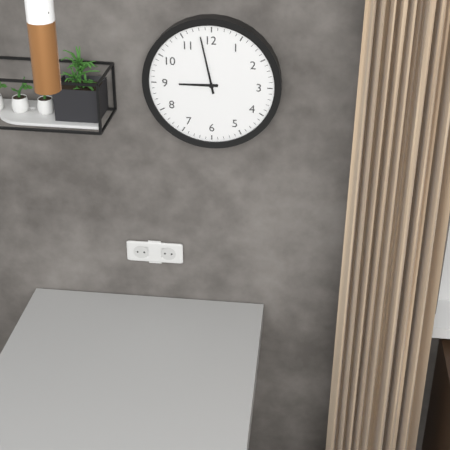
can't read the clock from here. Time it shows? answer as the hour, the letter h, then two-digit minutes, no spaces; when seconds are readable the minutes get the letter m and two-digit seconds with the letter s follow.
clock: 8h58
